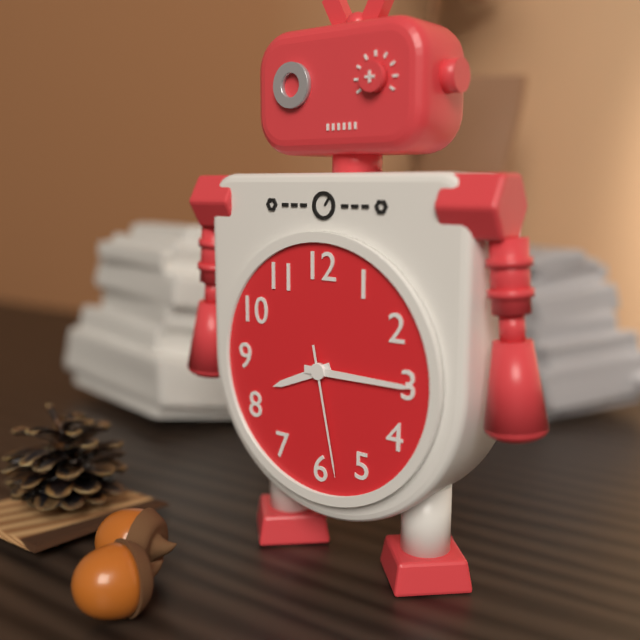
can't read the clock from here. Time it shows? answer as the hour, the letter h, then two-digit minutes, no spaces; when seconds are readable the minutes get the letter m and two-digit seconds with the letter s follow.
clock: 8h15m28s
